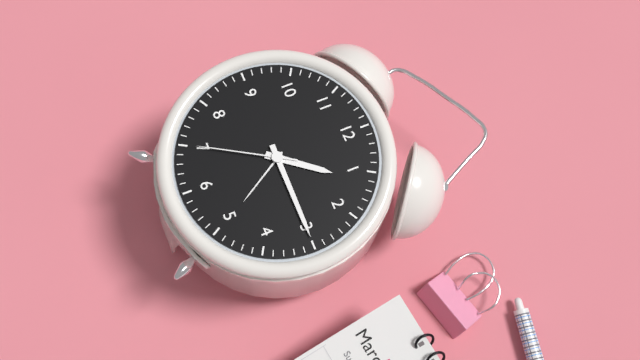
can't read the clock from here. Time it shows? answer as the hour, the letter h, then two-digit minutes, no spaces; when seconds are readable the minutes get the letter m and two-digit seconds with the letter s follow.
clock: 1h15m35s
